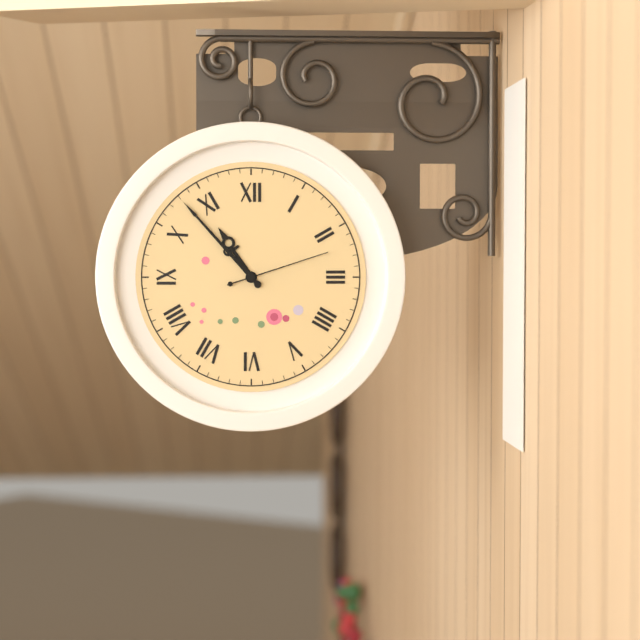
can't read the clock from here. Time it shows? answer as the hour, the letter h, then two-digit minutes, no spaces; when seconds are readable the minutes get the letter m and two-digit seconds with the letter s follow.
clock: 10h53m12s
